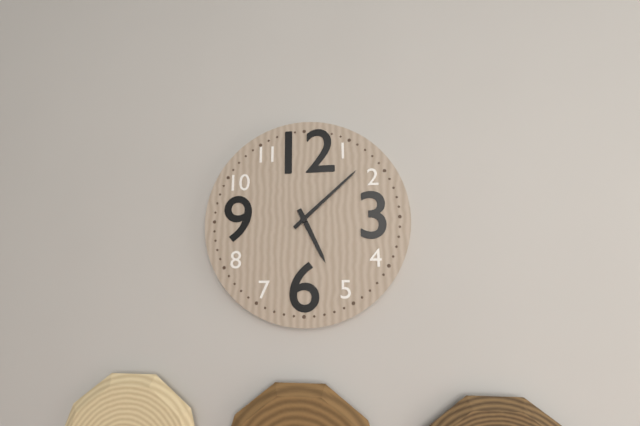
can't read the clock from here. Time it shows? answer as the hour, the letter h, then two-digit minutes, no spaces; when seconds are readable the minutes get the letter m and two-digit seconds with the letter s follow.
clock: 5h08
